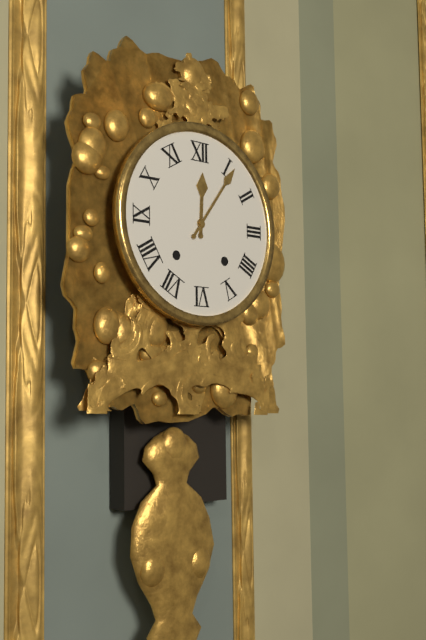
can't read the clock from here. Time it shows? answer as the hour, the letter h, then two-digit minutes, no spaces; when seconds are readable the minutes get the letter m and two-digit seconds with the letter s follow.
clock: 12h06
